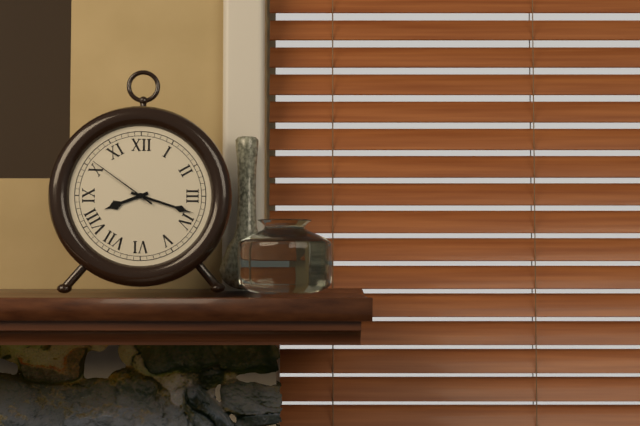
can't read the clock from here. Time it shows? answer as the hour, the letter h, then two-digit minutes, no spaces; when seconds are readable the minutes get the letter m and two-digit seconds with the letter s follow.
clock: 8h18m51s
